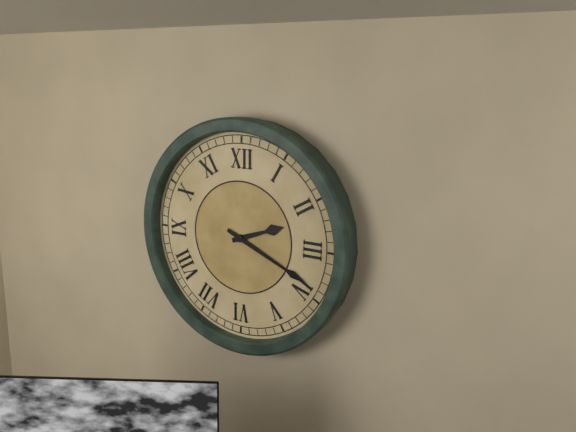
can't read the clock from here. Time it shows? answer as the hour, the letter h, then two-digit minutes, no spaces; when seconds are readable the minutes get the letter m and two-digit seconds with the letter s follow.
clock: 2h19
